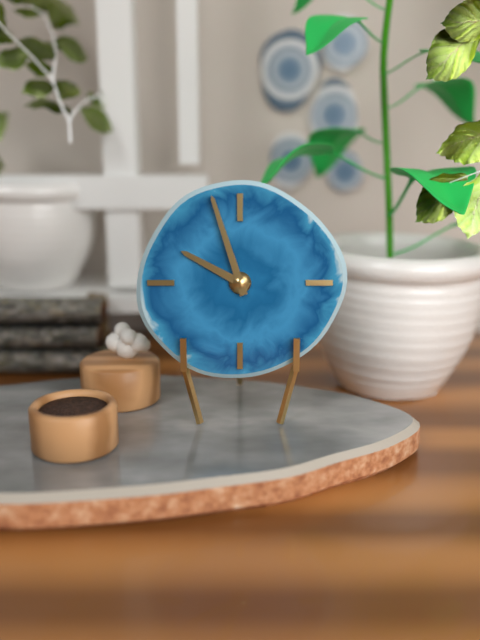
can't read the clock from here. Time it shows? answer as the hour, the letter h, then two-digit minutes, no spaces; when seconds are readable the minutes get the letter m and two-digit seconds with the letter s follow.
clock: 9h57
